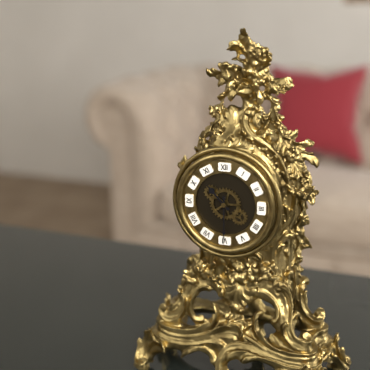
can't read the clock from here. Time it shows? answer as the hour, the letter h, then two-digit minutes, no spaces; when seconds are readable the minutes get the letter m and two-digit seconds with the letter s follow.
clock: 10h30
